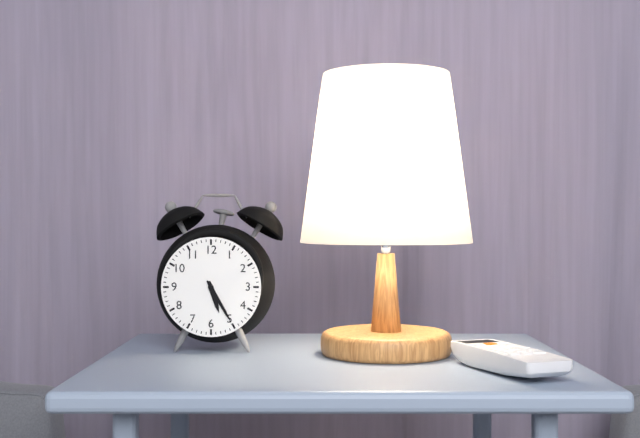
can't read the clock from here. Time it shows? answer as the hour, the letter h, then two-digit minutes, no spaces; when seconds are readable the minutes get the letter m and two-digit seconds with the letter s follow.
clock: 5h25
